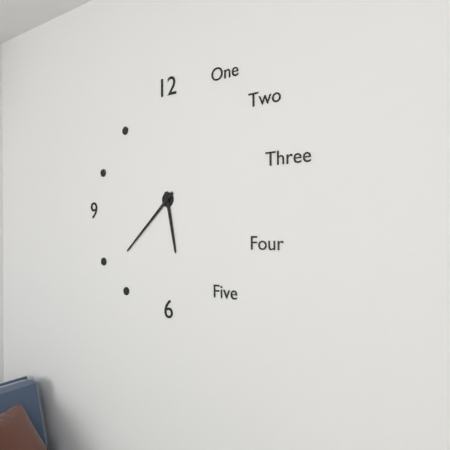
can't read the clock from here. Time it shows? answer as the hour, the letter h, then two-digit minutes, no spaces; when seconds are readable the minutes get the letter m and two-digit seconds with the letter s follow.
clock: 5h38
